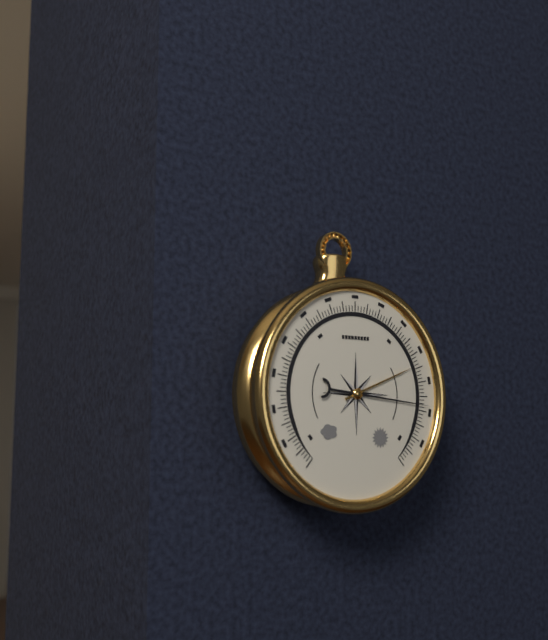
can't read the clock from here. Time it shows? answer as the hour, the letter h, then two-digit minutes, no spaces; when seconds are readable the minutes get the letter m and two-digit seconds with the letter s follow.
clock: 2h16
